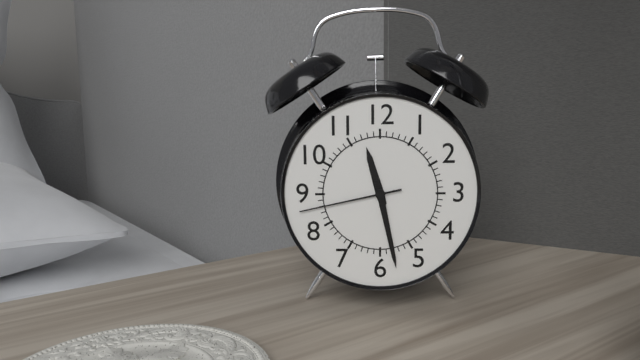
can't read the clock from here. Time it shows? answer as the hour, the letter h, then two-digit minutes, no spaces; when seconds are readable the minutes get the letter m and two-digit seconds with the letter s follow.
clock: 11h28m43s
